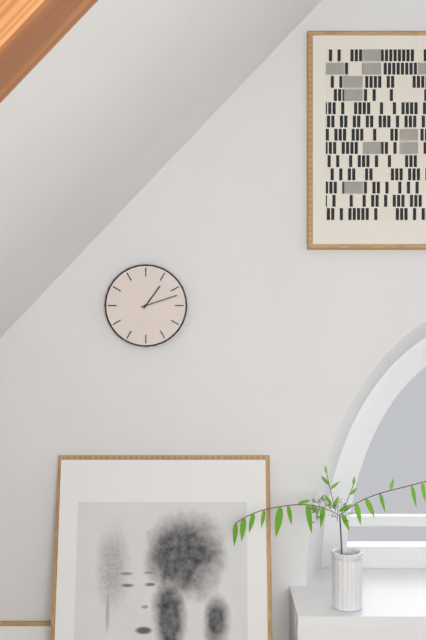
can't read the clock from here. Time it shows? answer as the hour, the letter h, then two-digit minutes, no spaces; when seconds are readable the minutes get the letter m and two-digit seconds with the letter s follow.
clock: 1h12
